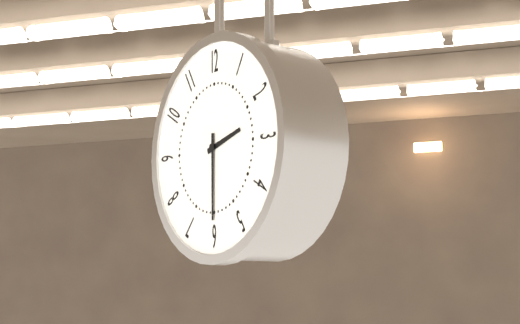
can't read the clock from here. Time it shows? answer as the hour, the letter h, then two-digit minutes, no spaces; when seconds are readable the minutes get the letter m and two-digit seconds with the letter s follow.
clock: 2h30
